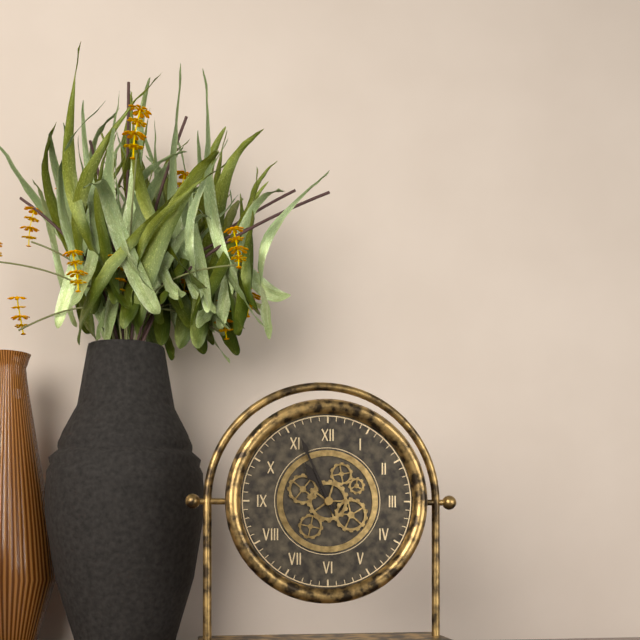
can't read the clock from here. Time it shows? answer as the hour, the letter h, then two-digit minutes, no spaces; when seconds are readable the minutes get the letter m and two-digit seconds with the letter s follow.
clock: 10h56
